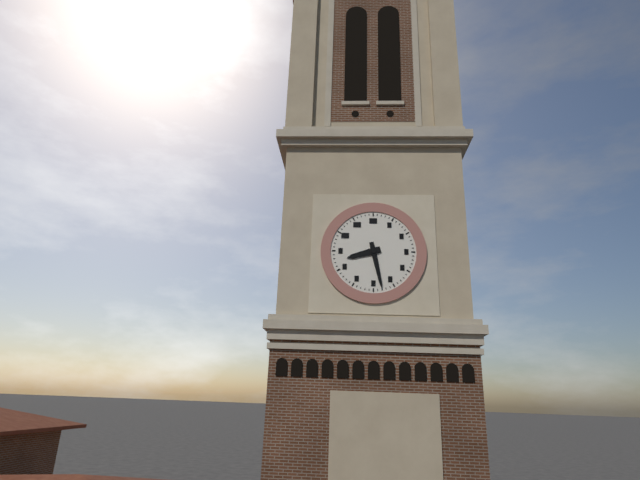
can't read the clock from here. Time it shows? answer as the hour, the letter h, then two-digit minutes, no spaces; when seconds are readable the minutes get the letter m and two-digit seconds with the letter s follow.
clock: 8h28
